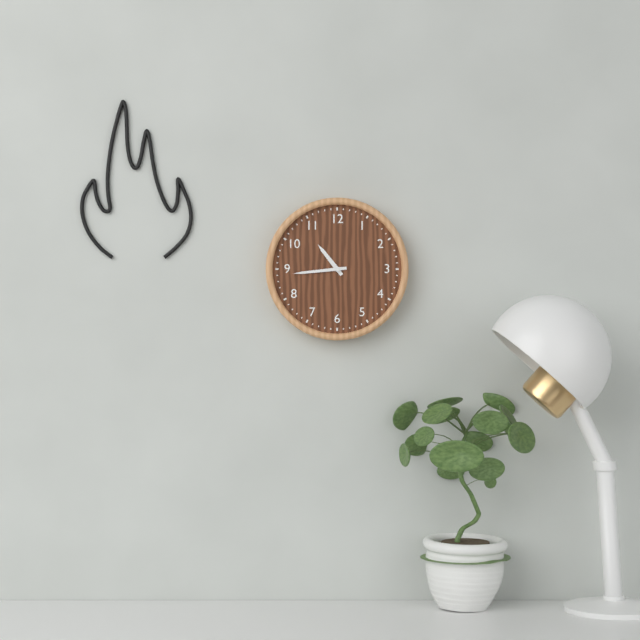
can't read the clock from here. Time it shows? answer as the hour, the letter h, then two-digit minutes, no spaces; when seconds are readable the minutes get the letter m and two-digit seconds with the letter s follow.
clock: 10h44
